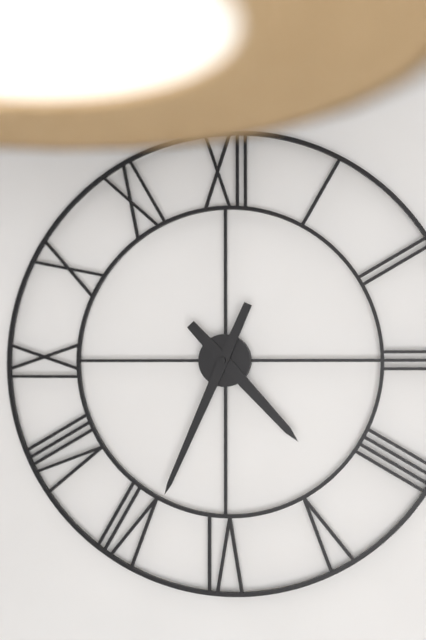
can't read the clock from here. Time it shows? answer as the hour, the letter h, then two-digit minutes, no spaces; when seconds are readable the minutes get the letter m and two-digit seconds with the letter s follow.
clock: 4h34
